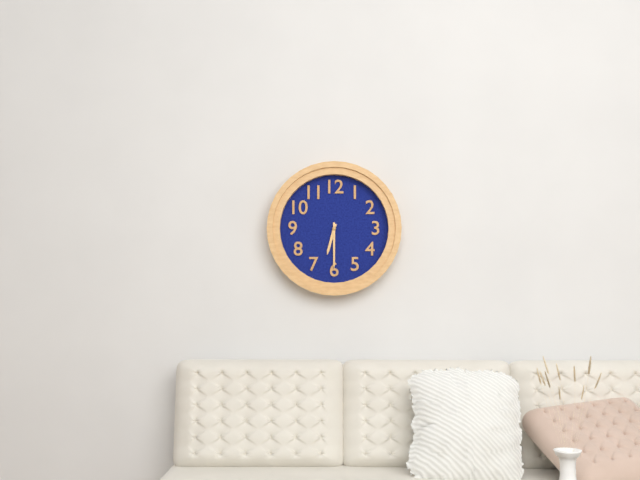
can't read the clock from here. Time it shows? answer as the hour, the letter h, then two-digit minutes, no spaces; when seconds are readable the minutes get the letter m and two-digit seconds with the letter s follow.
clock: 6h30
